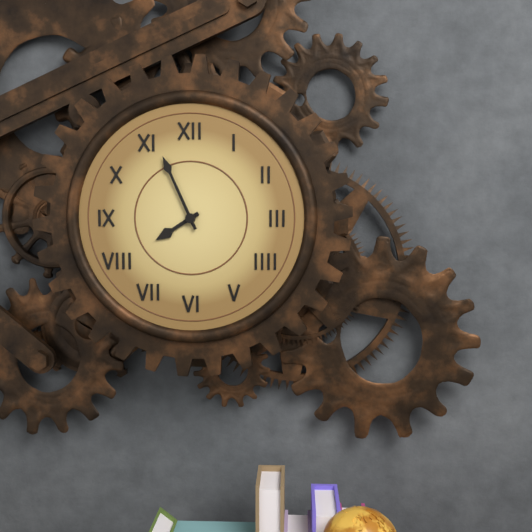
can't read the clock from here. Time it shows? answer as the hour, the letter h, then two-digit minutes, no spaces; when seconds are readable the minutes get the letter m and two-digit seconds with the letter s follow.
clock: 7h56
